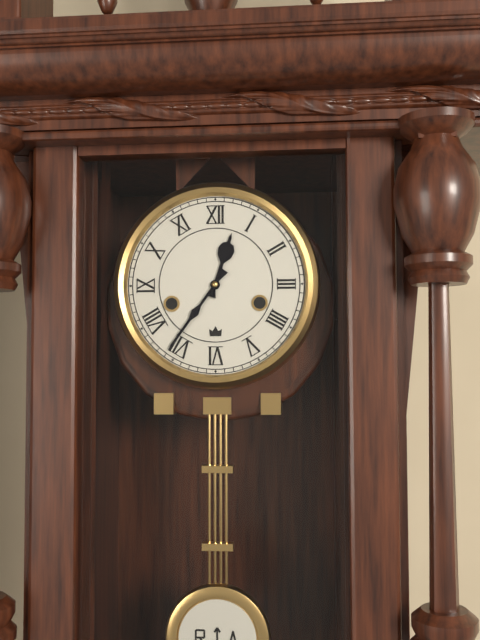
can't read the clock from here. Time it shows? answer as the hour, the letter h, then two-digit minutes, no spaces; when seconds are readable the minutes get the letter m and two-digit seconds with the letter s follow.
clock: 12h36
